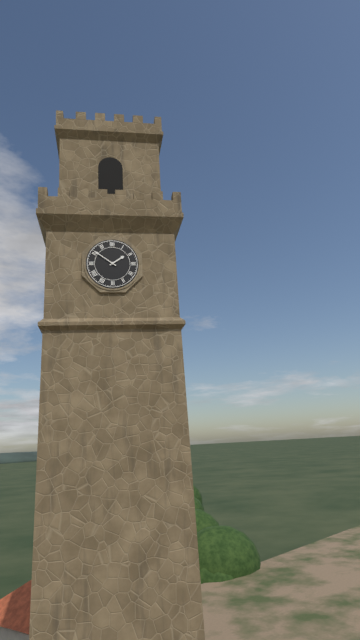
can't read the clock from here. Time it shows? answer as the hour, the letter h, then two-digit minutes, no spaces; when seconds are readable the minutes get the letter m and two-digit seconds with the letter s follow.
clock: 1h51
